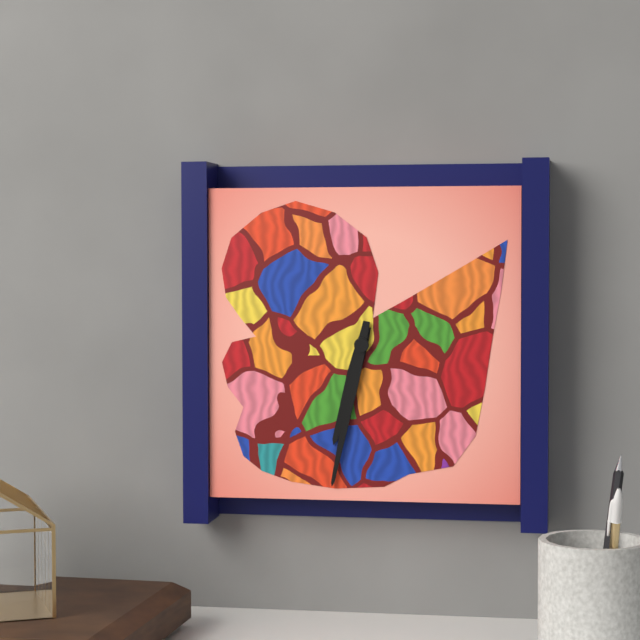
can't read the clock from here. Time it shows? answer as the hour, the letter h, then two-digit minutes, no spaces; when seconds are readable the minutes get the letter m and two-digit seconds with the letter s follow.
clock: 6h32
